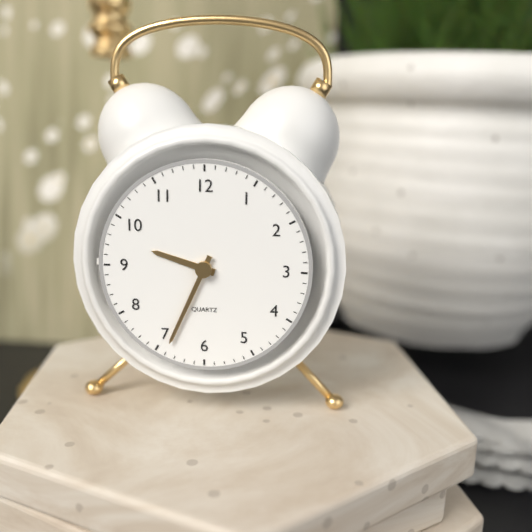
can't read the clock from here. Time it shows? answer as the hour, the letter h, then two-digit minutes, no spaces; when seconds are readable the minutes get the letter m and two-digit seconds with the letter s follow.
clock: 9h34
